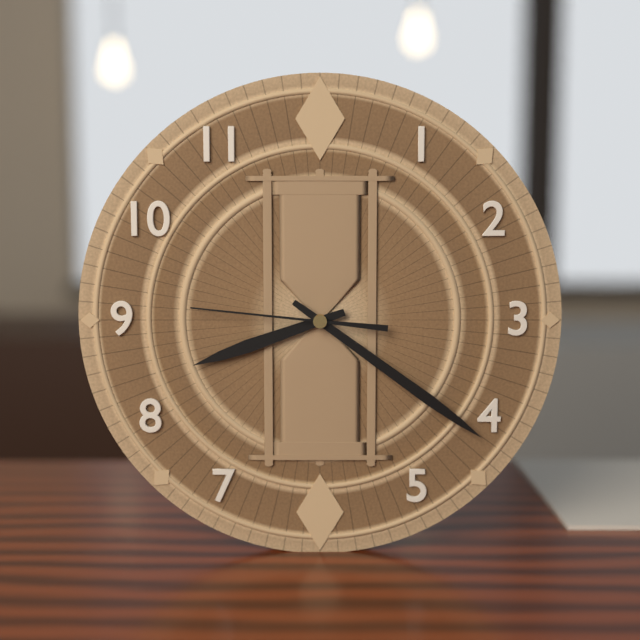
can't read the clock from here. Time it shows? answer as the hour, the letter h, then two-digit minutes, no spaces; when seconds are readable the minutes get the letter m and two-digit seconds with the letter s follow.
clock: 8h21m46s
